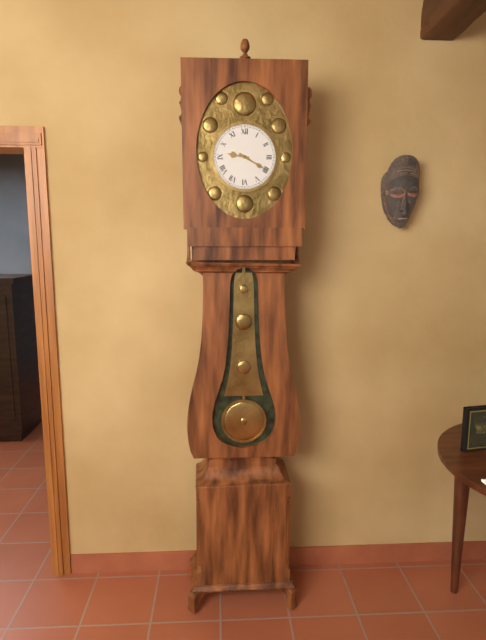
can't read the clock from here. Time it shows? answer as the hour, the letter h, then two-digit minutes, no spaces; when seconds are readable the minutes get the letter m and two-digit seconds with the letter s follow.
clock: 9h20
